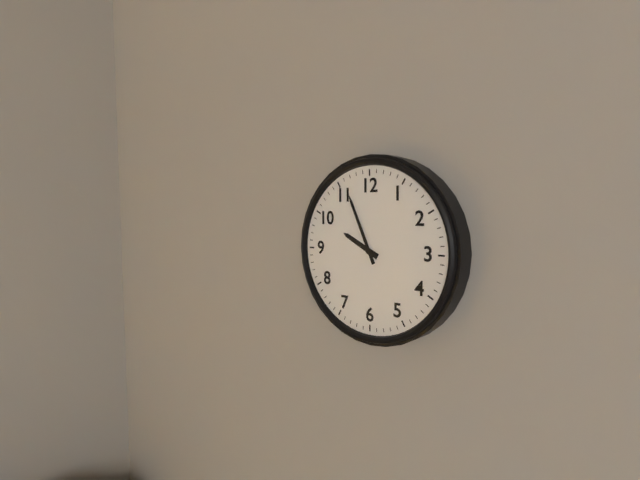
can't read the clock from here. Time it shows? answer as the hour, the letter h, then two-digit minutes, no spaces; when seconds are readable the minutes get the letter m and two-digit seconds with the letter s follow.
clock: 9h56
